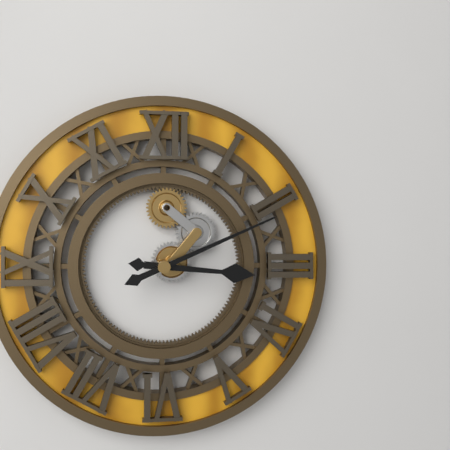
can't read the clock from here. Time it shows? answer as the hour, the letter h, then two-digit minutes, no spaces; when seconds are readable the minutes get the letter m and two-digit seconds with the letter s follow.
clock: 3h11
